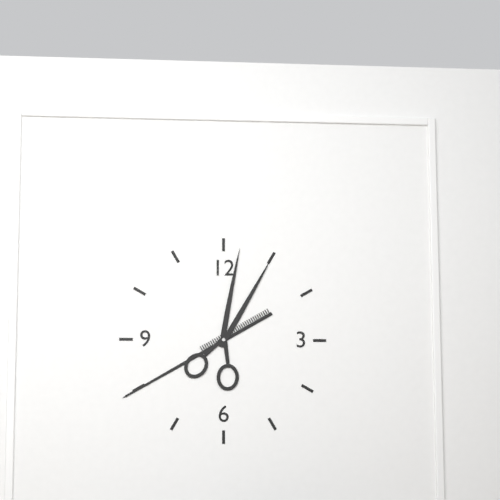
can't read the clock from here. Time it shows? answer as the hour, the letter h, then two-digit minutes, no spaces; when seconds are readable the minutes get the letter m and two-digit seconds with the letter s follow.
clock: 12h40
